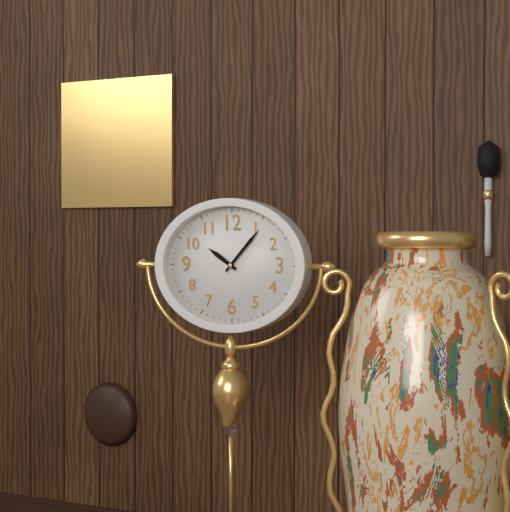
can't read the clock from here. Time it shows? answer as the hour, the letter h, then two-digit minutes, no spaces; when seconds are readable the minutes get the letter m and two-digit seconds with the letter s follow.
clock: 10h07
